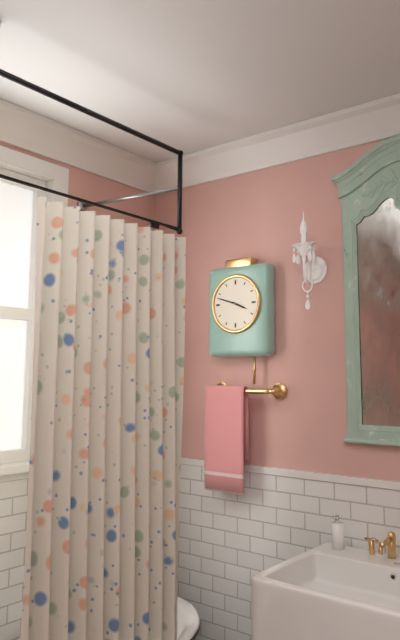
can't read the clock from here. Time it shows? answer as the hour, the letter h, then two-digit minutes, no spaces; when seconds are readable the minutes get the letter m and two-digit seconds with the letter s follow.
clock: 3h48
